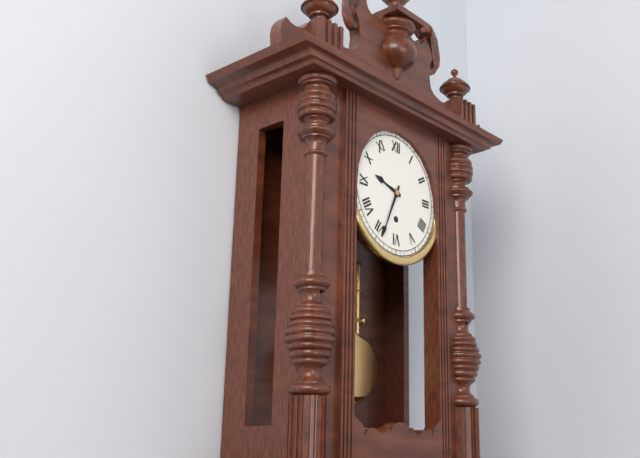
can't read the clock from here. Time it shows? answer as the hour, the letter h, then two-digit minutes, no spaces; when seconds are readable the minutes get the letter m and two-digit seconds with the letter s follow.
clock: 9h34
